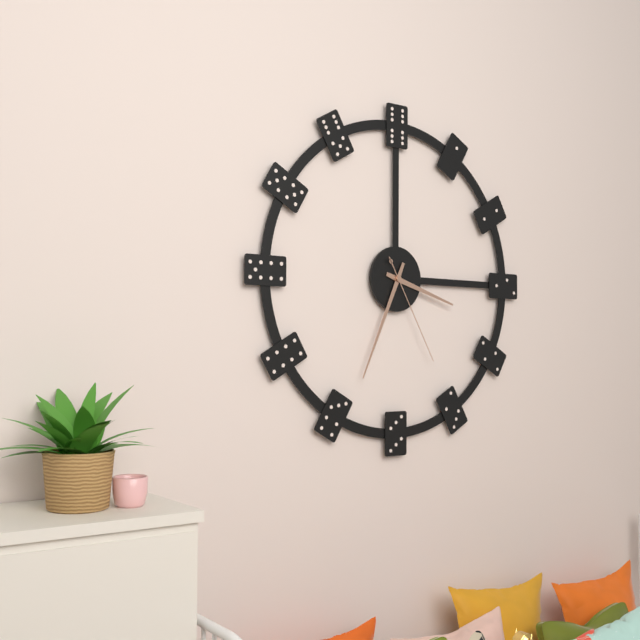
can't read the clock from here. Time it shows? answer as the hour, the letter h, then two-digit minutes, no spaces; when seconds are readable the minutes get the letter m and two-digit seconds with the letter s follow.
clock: 3h34m25s
